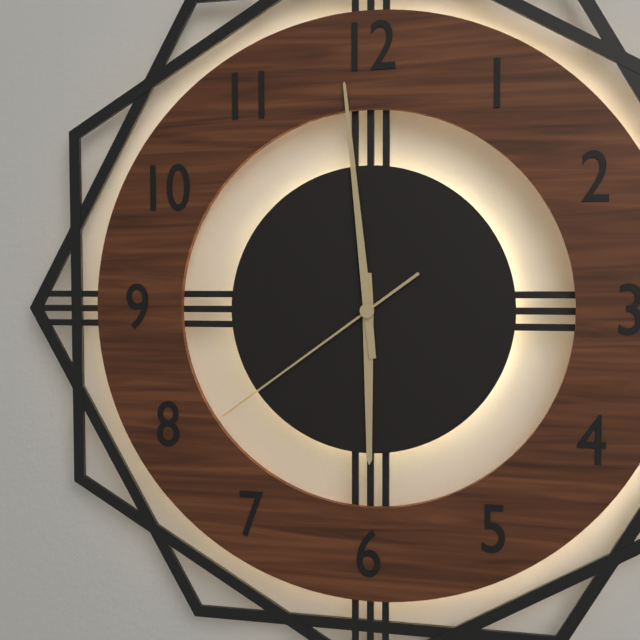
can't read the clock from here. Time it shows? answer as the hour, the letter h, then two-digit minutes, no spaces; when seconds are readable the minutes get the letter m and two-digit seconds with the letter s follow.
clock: 5h59m39s
